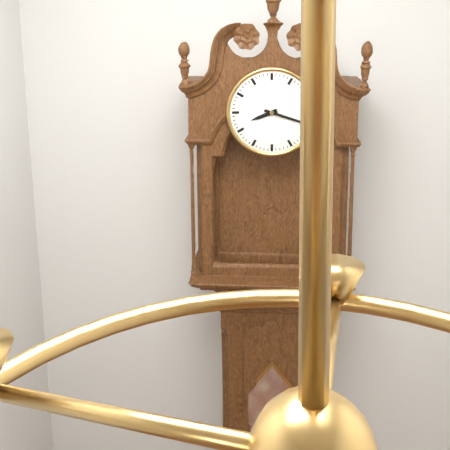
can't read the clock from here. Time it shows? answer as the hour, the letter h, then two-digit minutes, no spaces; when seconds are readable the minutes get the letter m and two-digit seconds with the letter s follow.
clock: 8h18
